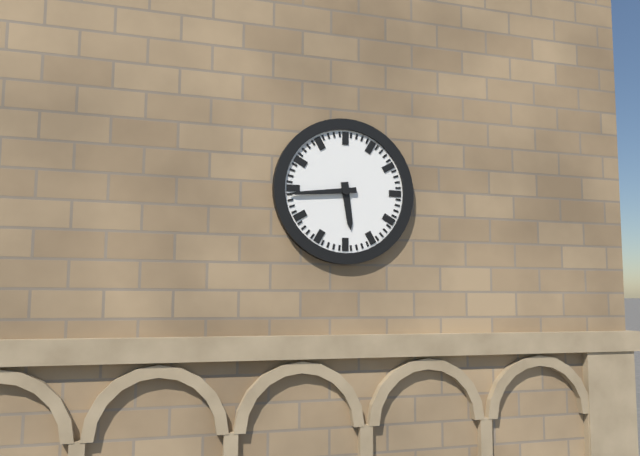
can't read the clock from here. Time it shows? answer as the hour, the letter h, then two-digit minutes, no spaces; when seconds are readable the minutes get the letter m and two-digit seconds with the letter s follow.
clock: 5h44
